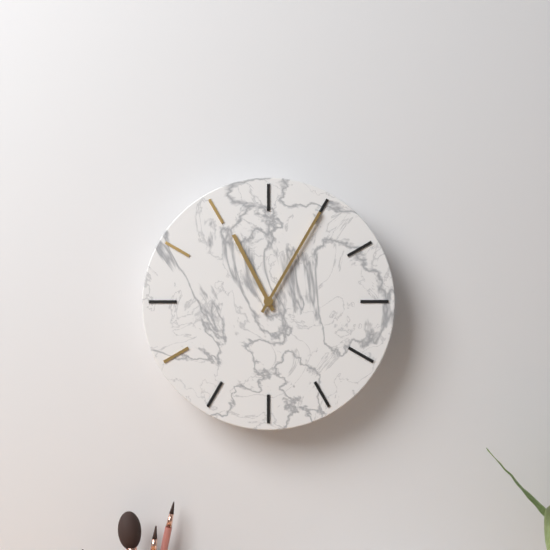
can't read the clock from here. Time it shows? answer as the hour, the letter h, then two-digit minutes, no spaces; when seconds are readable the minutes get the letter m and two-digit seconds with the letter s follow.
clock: 11h05
